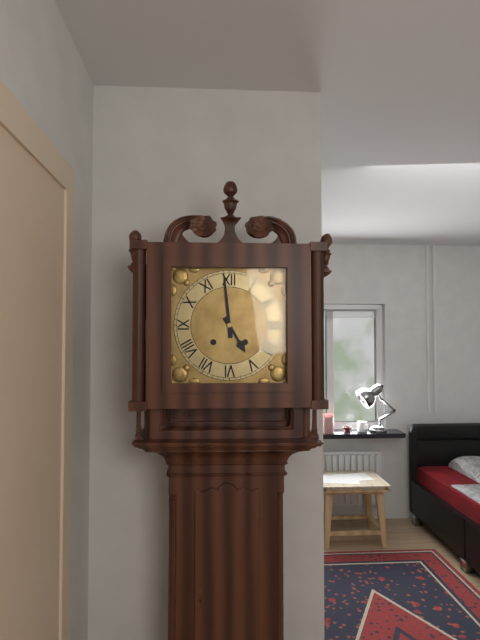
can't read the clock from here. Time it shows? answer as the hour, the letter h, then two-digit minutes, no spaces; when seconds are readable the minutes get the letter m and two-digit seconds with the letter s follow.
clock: 4h59
